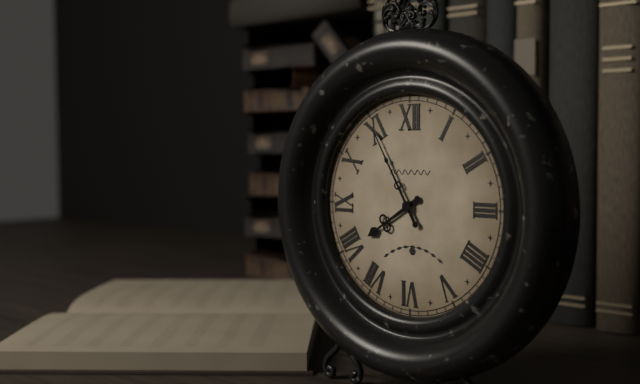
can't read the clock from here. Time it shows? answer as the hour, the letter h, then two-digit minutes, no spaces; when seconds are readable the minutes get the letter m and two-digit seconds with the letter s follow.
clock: 7h55
